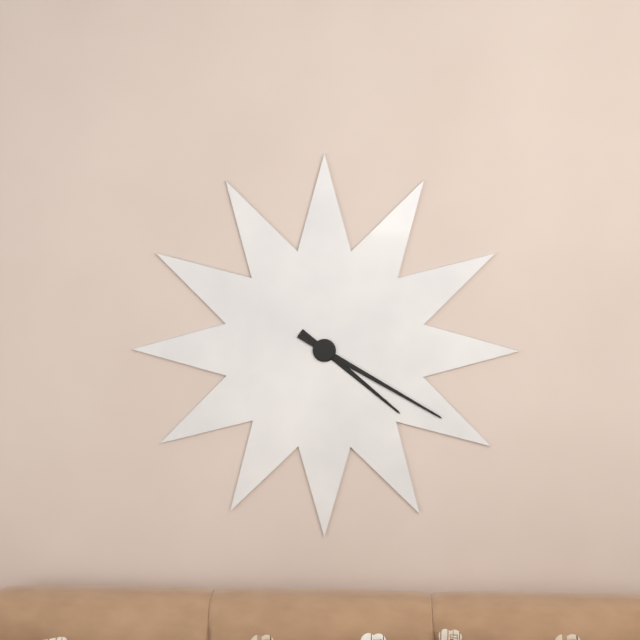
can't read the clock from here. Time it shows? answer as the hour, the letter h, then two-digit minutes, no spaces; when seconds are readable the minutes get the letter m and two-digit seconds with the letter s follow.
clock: 4h20
